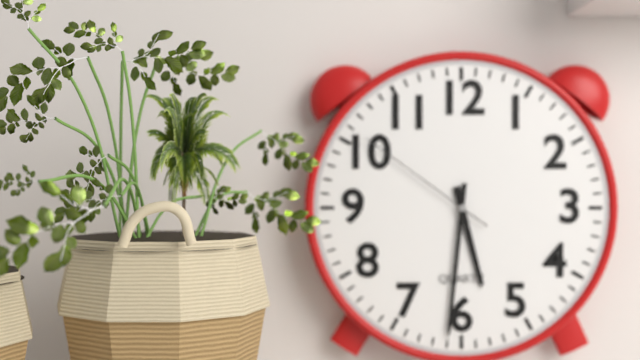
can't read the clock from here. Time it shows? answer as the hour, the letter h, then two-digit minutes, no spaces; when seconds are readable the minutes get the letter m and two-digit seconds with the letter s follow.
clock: 5h31m51s
